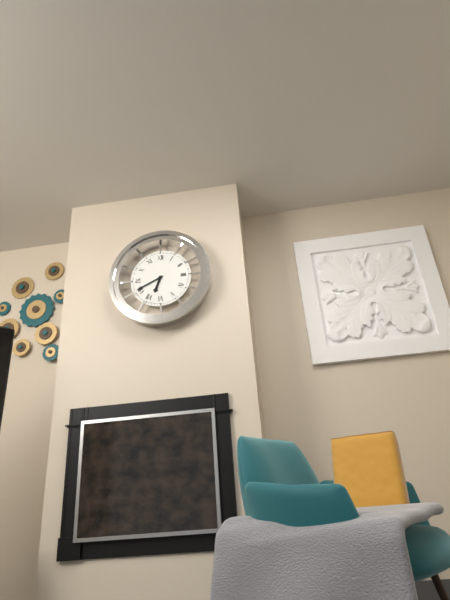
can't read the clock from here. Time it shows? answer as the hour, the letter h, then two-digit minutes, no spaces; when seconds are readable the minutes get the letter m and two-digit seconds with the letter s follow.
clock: 6h41
